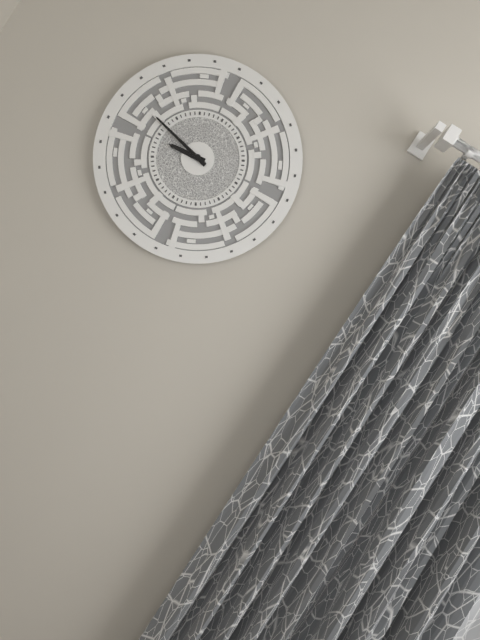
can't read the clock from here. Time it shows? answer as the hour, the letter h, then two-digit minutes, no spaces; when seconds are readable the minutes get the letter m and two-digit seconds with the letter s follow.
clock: 8h47
